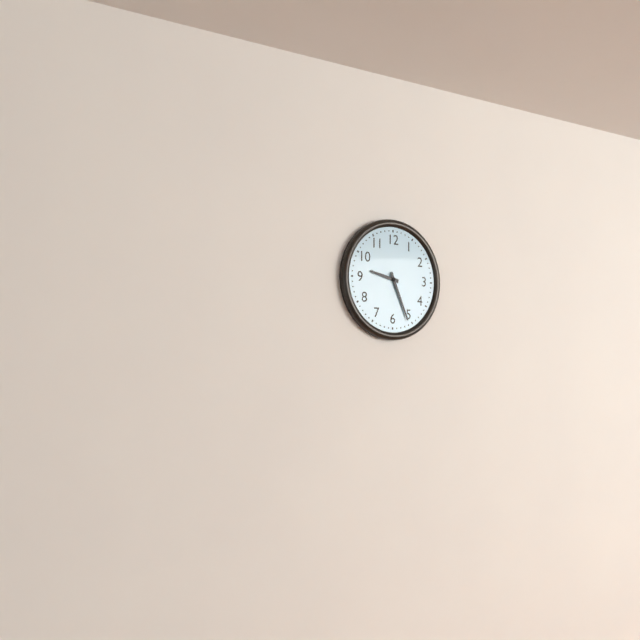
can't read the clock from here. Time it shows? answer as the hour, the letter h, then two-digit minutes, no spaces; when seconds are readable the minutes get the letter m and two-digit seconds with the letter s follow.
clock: 9h26
